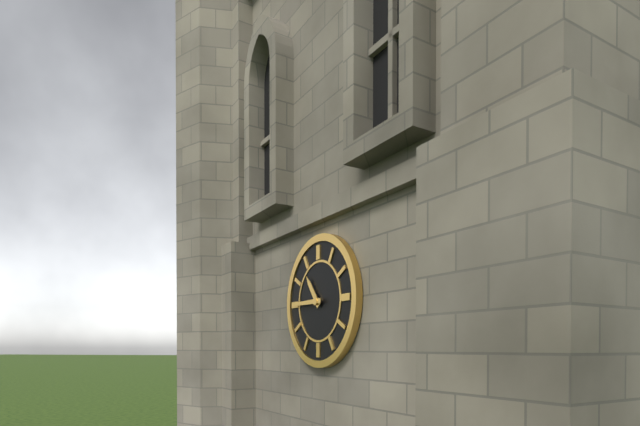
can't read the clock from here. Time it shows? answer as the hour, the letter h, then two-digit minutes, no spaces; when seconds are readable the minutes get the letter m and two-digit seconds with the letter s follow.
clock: 10h45
